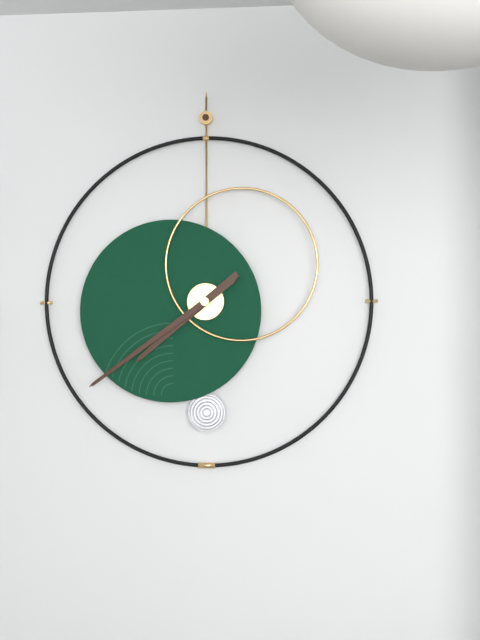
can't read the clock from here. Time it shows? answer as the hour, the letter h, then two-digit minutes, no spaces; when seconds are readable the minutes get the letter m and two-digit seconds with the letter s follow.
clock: 7h39
